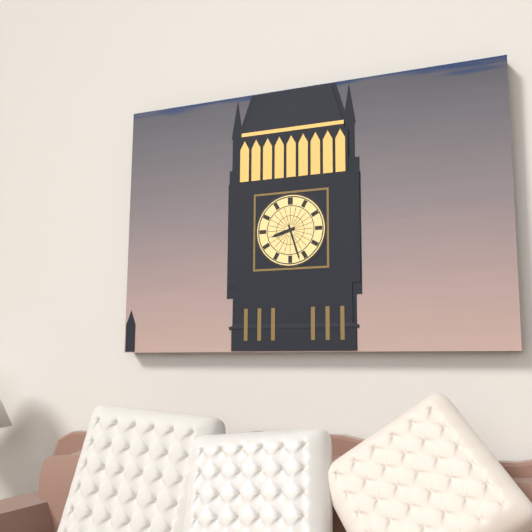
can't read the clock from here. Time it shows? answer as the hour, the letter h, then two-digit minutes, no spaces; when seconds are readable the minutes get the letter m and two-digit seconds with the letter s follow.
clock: 8h27
